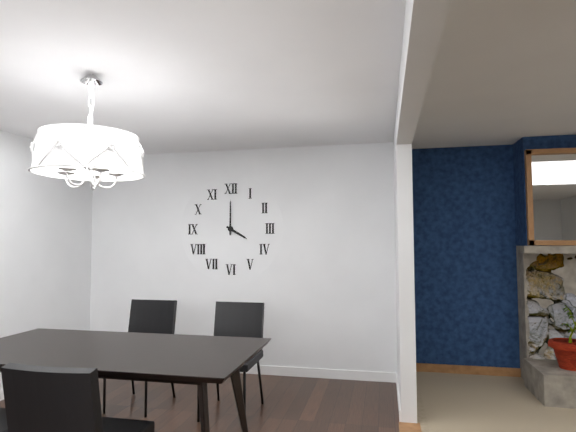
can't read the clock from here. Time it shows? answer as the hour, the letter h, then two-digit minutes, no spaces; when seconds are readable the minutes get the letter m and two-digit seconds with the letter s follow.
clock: 4h00
